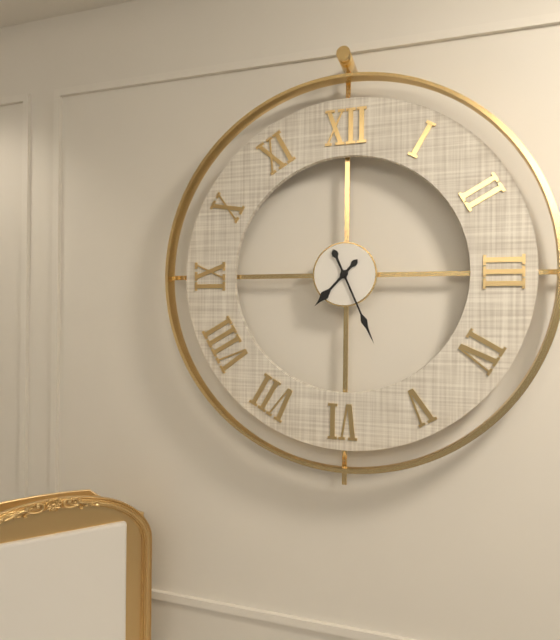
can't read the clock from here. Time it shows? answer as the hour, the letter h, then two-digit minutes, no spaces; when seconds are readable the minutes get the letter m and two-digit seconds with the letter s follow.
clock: 7h26
